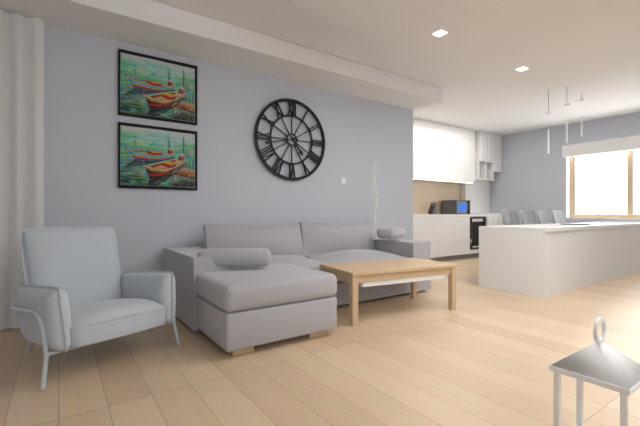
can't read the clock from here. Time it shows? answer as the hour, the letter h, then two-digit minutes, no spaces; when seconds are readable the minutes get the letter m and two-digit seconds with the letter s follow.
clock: 4h43
